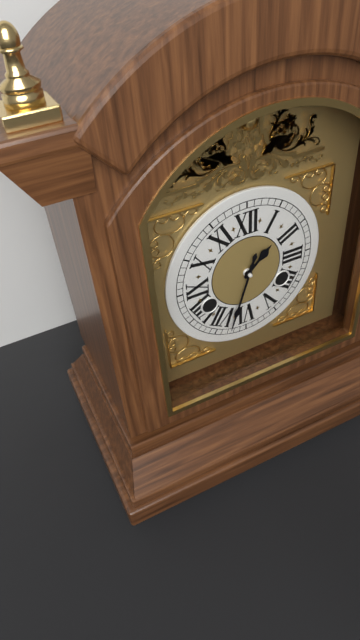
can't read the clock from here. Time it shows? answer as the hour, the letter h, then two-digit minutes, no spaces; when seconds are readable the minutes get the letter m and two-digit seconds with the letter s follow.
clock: 1h33
